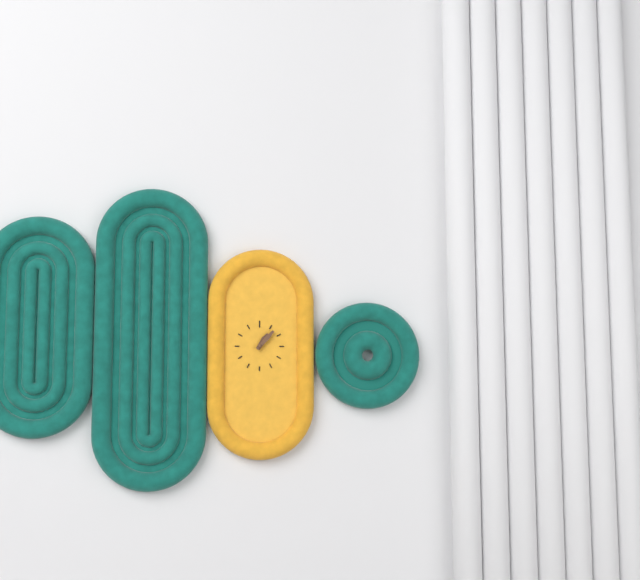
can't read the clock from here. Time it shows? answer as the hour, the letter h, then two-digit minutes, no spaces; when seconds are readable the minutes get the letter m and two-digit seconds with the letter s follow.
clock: 1h07
